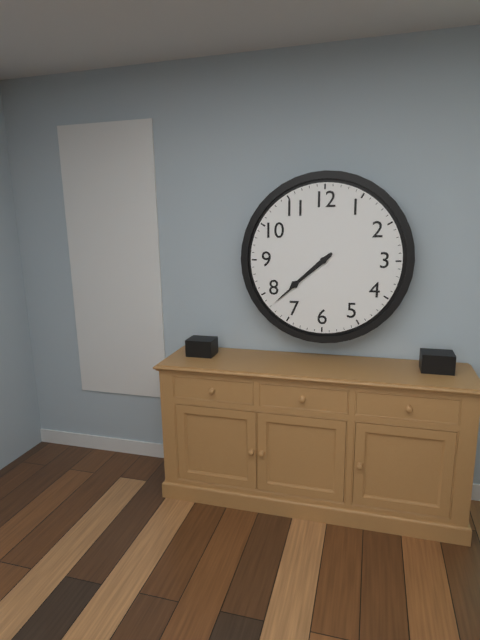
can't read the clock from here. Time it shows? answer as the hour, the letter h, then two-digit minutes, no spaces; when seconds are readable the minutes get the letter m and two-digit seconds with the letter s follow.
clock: 7h38
